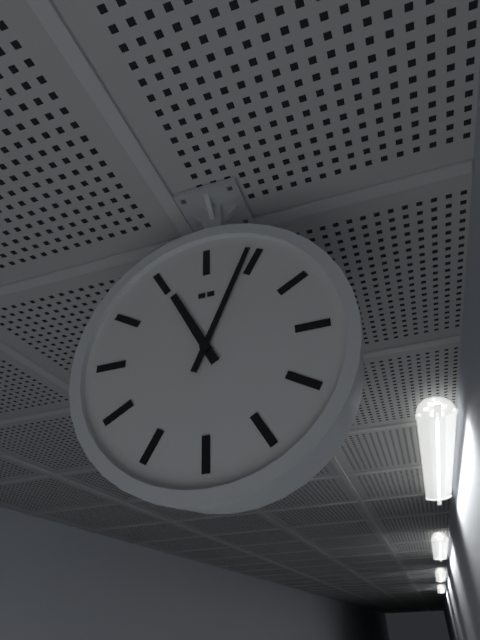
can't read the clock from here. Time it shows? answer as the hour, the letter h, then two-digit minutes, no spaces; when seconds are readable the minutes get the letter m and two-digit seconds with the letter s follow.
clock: 11h04
